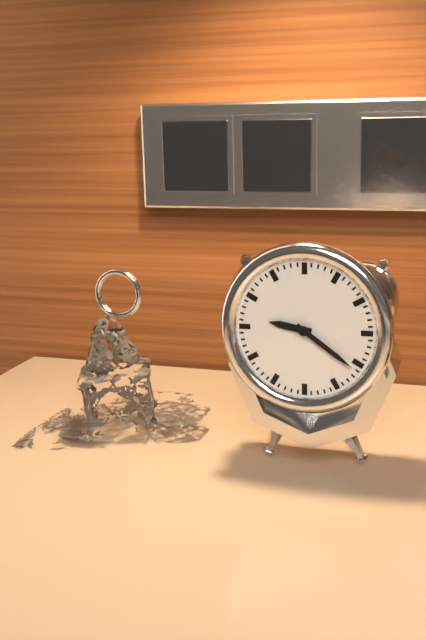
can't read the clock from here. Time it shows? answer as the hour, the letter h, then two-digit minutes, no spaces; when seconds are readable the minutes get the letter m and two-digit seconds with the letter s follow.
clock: 9h21
